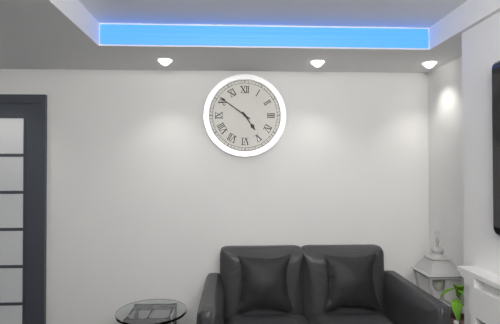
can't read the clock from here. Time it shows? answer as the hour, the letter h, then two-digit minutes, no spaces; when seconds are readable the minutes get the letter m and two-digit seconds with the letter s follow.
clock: 4h51
